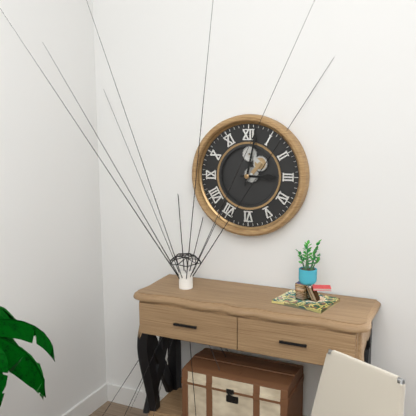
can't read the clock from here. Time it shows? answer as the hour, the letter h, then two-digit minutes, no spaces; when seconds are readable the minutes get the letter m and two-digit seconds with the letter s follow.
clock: 3h02
